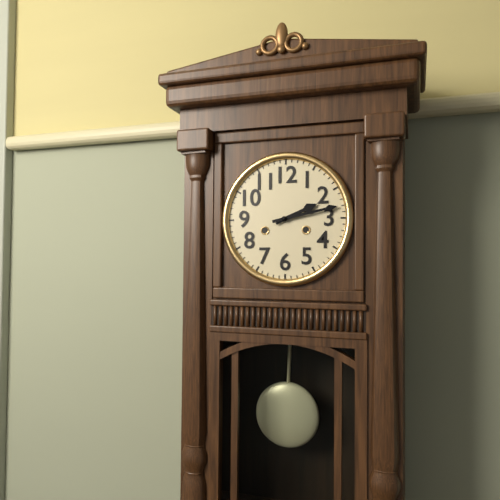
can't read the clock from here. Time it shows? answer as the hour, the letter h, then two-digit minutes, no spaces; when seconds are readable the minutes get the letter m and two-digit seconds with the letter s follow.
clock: 2h13
